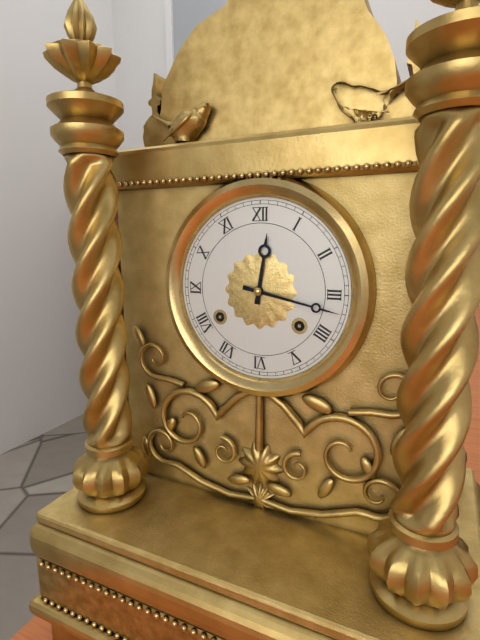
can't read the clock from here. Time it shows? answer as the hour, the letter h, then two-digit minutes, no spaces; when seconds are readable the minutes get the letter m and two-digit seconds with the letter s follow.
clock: 12h17
